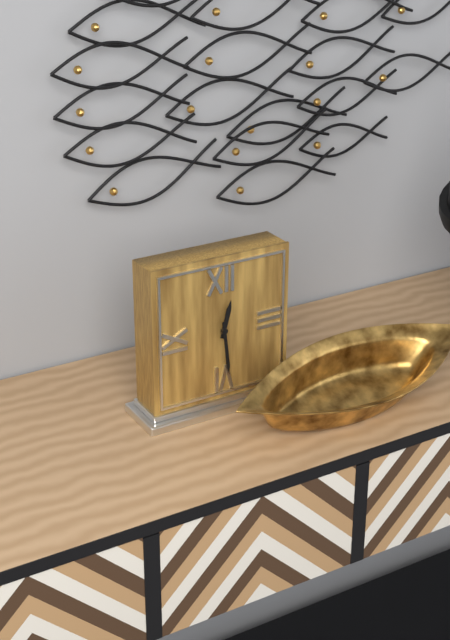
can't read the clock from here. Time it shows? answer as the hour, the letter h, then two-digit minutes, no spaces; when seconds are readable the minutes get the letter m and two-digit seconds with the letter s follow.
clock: 12h29
